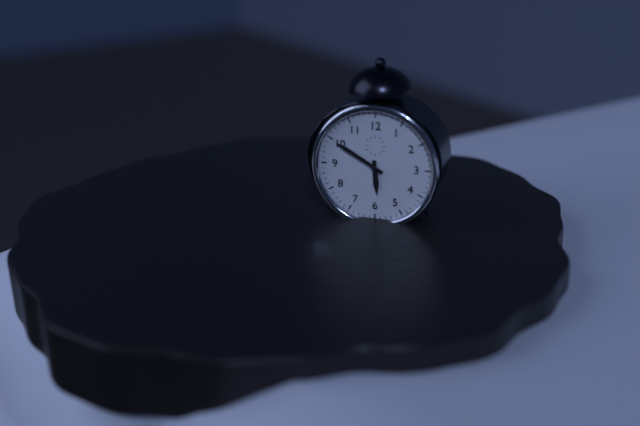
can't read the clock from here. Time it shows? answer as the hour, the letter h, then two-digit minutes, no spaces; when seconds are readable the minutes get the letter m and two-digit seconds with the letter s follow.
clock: 5h50
